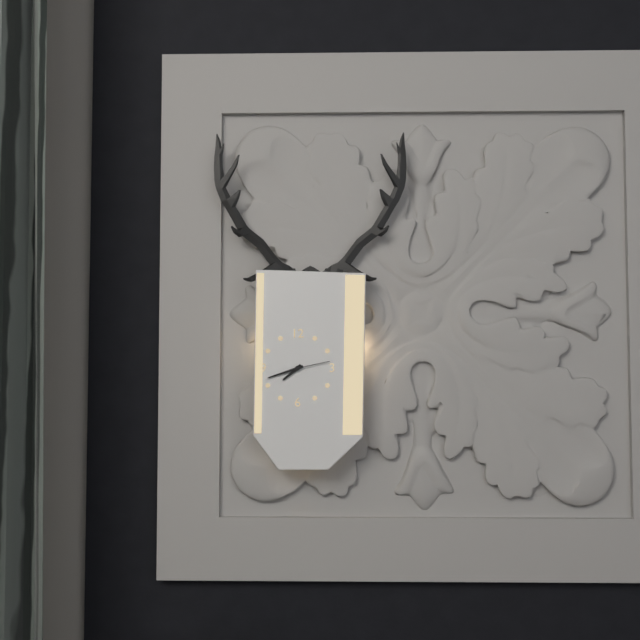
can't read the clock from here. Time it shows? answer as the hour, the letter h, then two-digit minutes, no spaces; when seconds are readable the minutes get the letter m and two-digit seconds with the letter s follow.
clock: 7h42
